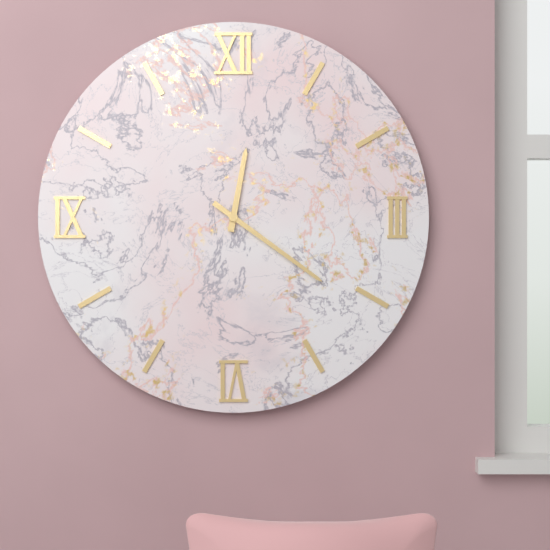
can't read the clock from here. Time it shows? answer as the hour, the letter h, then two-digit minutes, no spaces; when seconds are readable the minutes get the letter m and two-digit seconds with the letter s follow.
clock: 12h21
